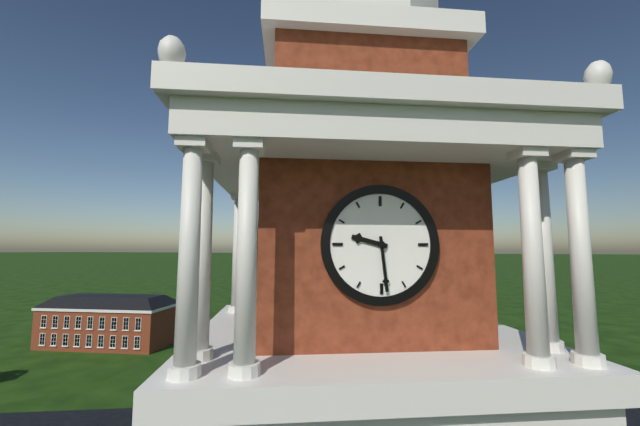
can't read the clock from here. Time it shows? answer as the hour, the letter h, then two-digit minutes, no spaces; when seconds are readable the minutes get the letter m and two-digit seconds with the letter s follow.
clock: 9h29
